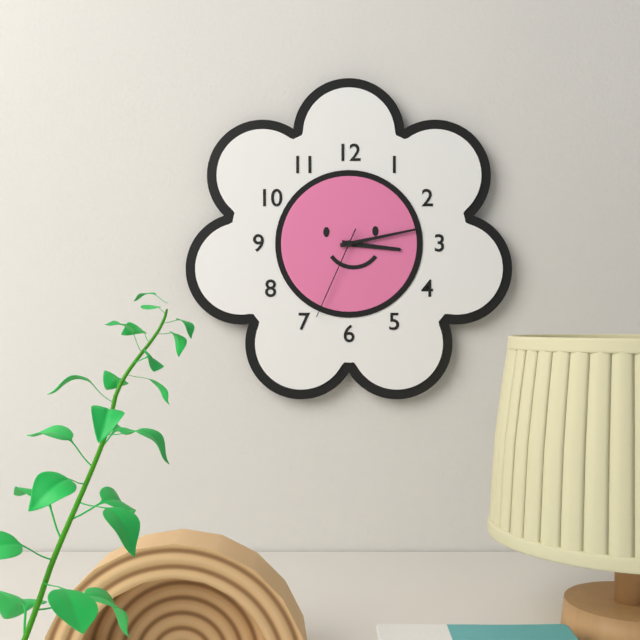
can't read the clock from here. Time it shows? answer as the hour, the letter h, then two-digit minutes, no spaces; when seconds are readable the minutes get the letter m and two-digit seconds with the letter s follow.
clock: 3h13m34s
